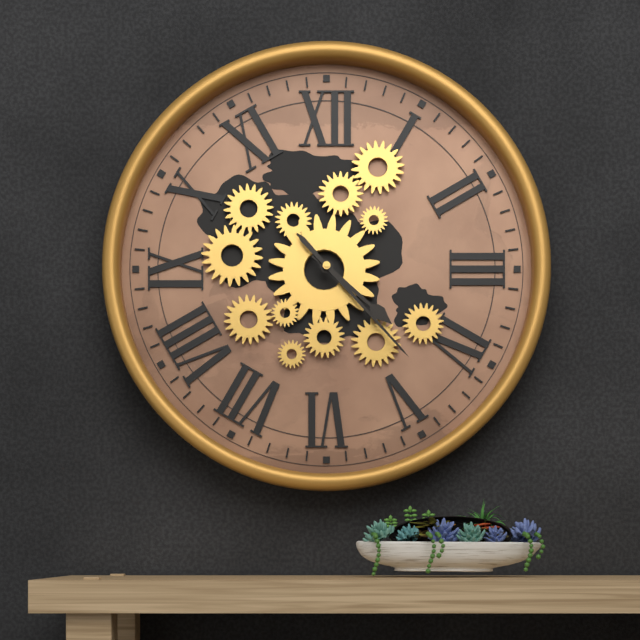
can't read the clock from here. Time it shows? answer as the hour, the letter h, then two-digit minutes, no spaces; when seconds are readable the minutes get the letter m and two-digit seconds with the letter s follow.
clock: 4h23
